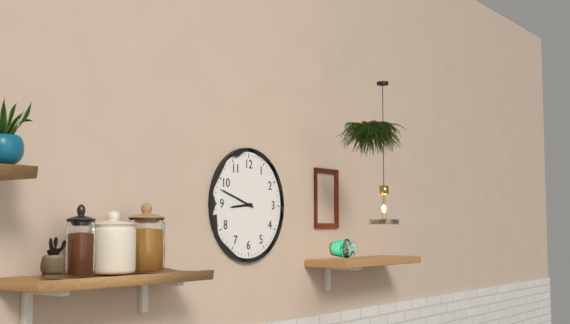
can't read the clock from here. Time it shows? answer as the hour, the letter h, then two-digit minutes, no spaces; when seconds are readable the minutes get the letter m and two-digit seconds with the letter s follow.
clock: 8h48
